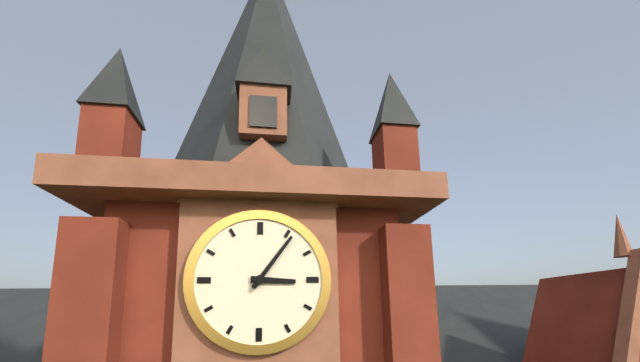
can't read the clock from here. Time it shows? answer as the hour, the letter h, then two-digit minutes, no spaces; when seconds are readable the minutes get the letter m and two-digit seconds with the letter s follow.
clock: 3h06
